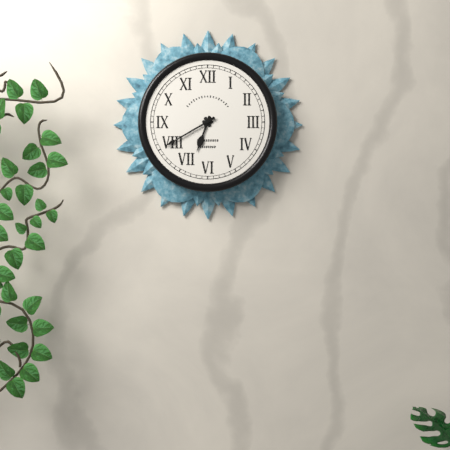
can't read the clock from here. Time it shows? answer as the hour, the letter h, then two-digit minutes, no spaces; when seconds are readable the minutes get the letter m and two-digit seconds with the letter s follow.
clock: 6h40
